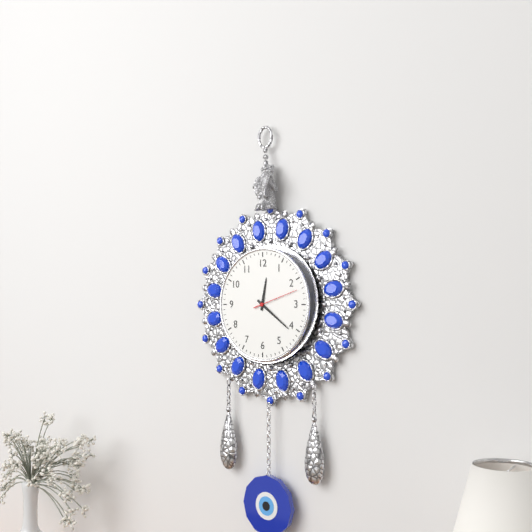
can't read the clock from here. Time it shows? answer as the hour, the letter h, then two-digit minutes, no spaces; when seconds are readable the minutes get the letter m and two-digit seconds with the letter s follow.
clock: 12h21
